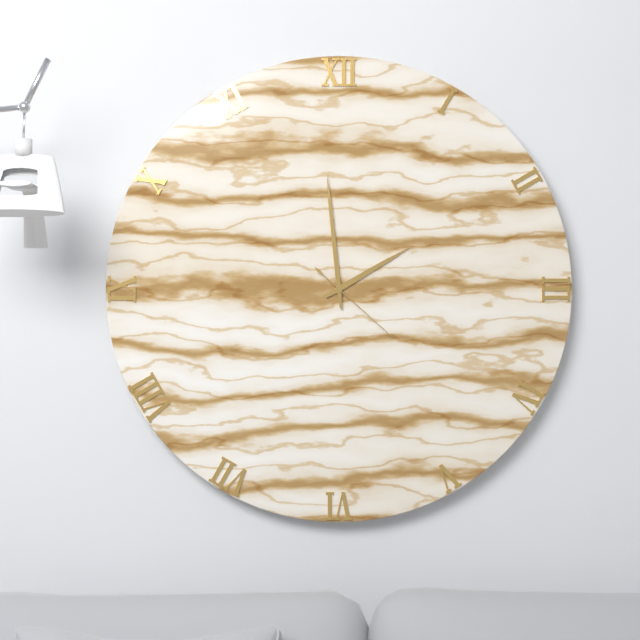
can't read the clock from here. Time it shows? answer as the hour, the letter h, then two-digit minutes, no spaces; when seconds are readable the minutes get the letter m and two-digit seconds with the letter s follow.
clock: 1h59m22s
